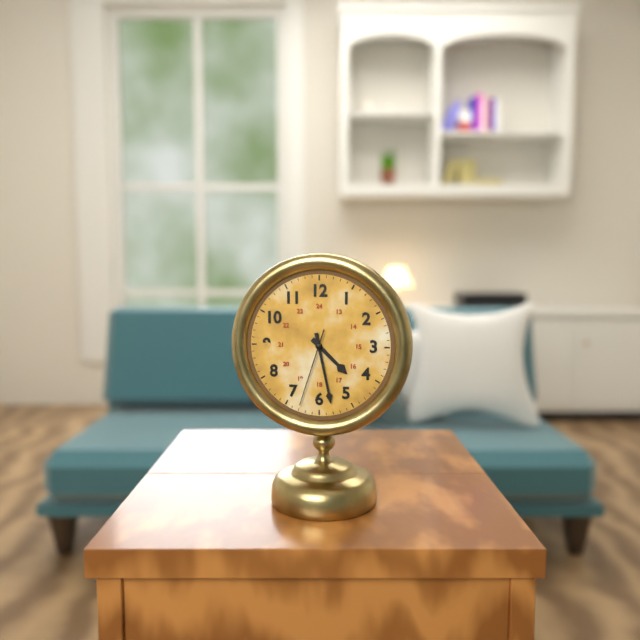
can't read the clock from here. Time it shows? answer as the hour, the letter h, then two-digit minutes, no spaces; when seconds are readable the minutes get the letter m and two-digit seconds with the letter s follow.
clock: 4h28m33s
